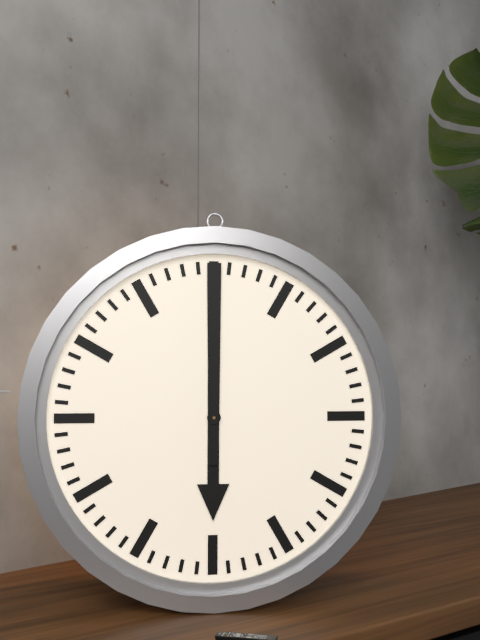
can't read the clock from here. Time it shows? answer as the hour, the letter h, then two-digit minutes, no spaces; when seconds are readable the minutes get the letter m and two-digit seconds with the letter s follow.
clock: 6h00
